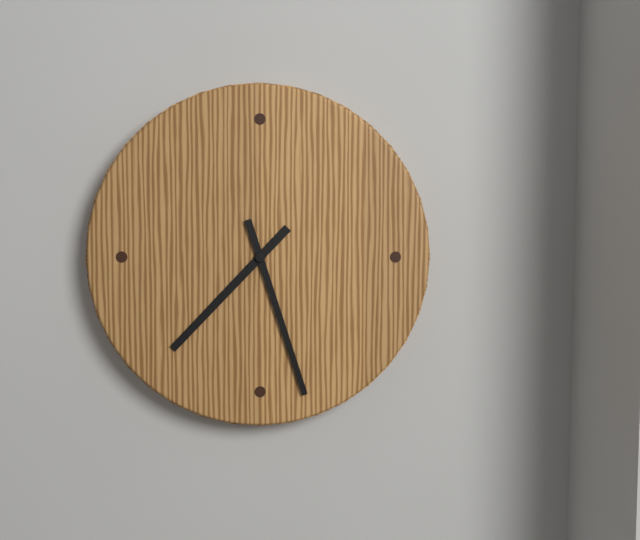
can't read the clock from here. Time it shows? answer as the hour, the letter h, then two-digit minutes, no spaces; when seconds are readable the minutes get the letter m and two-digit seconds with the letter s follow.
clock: 7h27
